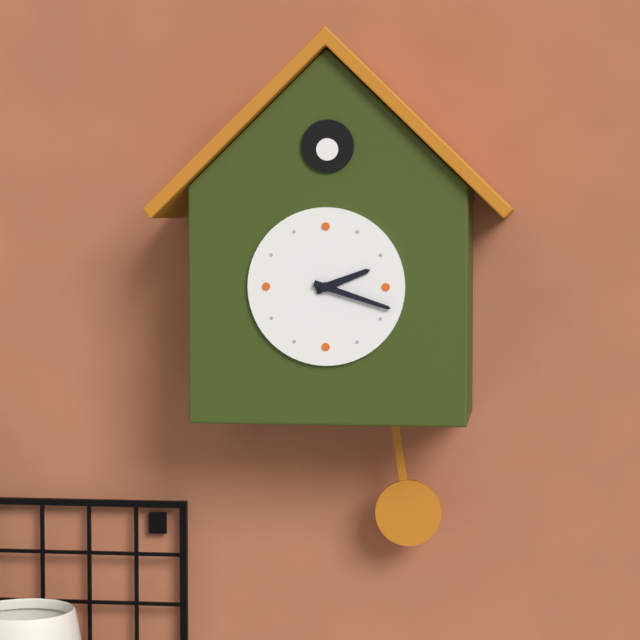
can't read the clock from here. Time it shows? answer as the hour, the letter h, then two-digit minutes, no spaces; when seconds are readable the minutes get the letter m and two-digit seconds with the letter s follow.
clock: 2h18
